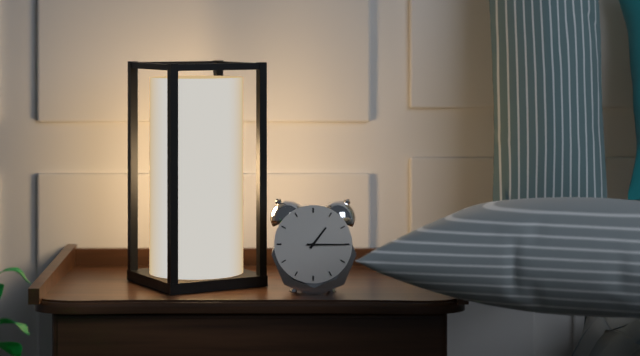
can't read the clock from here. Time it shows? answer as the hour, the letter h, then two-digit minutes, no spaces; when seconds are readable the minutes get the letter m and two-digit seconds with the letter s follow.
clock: 1h15
